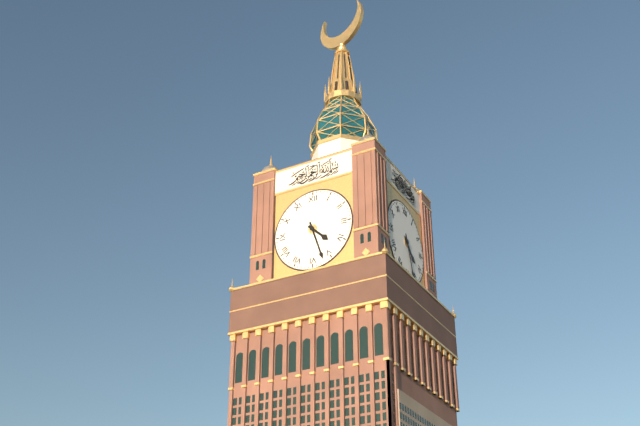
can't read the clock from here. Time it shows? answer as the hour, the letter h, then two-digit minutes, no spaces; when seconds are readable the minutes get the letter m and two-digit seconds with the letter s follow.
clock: 4h27
